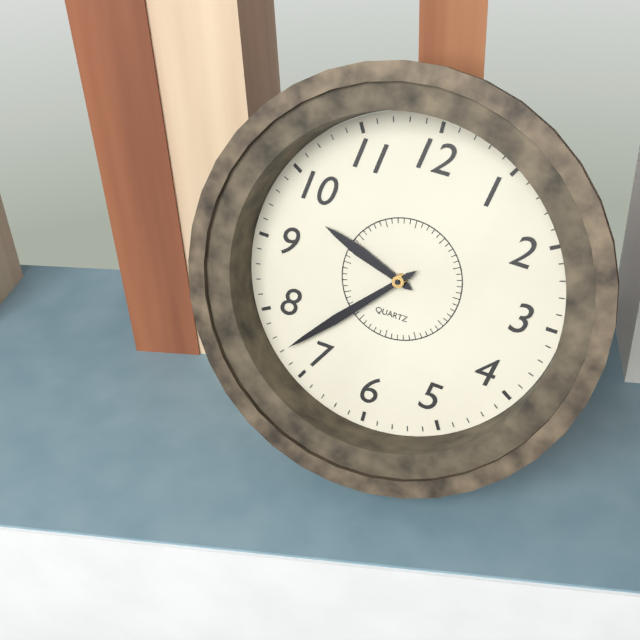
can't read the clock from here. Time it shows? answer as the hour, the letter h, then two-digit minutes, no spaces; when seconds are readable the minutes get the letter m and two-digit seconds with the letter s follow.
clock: 9h37
